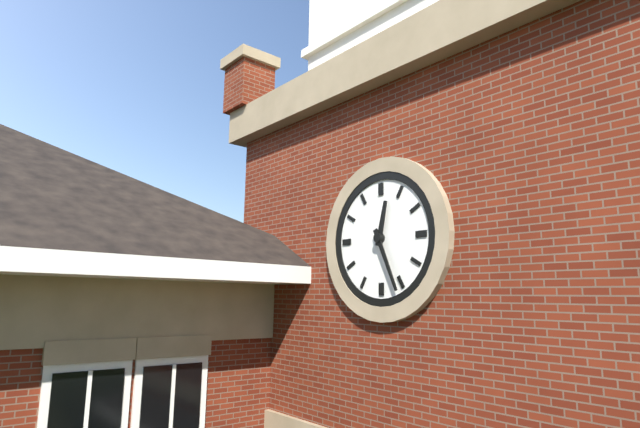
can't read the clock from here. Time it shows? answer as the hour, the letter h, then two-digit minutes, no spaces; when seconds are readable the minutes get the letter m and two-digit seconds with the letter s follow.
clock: 12h26
